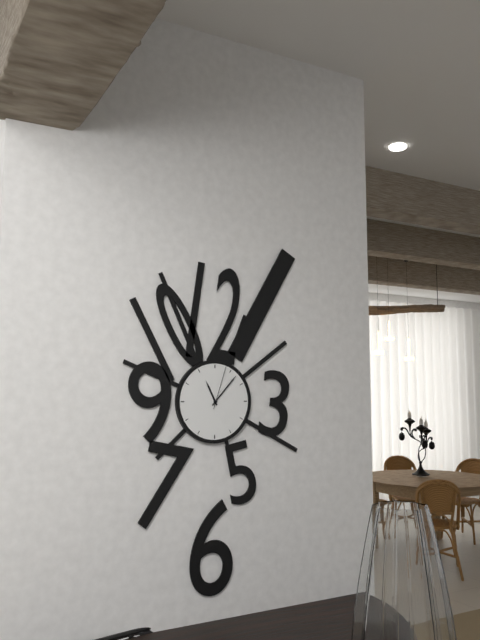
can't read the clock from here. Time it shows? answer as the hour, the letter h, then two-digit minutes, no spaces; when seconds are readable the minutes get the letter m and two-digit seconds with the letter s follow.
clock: 11h07
